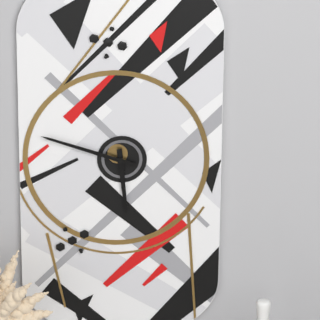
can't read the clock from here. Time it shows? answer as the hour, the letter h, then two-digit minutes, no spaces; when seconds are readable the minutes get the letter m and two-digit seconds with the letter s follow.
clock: 5h48
